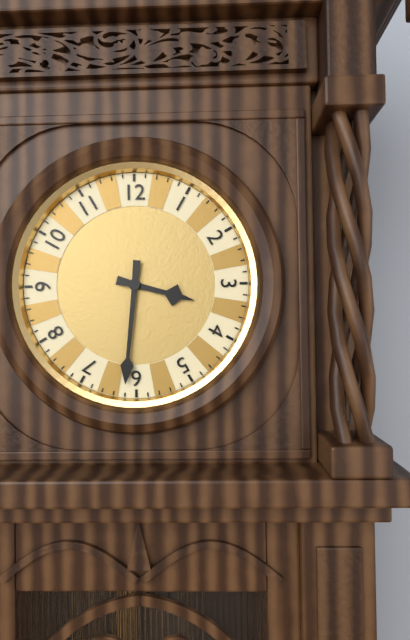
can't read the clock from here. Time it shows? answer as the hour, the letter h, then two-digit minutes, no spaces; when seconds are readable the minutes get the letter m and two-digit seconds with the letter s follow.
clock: 3h31
